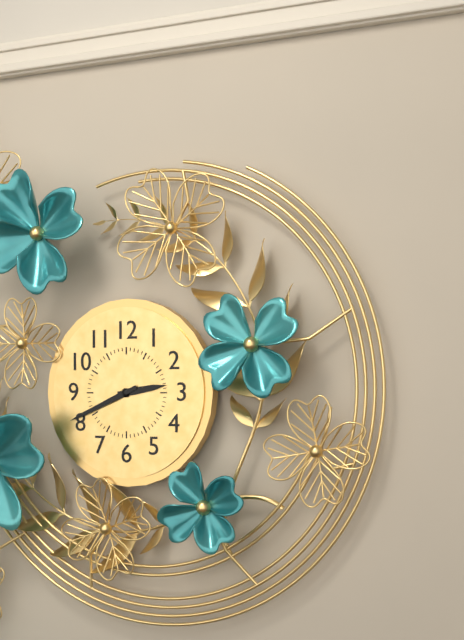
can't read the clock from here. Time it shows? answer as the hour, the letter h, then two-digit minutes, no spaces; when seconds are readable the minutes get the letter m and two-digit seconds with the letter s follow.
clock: 2h41
